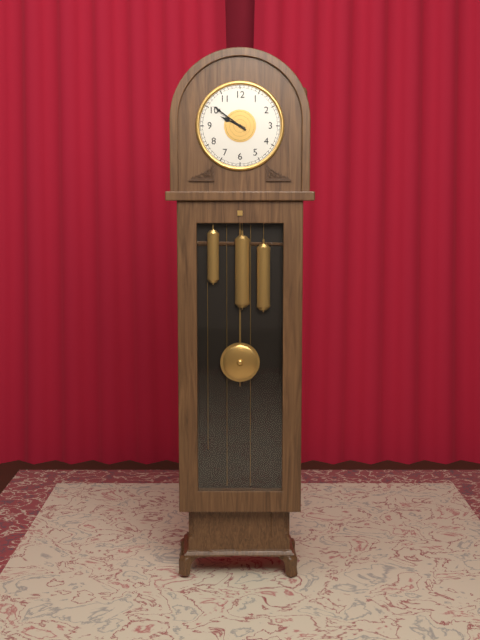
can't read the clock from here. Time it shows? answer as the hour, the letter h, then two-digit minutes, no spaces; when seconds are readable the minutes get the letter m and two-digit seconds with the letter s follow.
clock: 9h51
